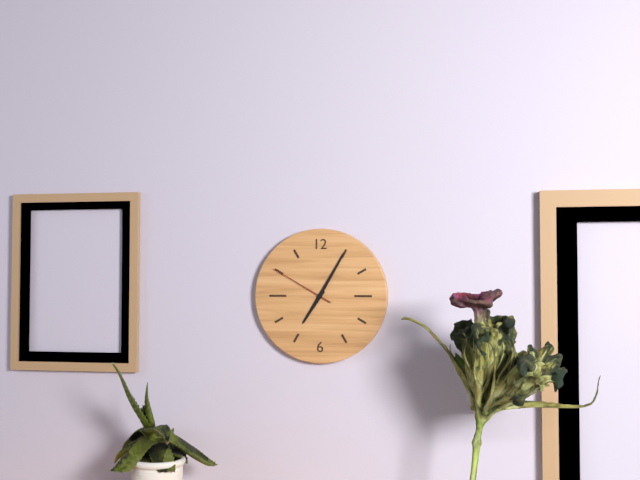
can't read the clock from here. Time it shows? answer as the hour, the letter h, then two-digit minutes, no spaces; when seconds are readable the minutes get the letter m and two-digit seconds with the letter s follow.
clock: 7h05m50s
